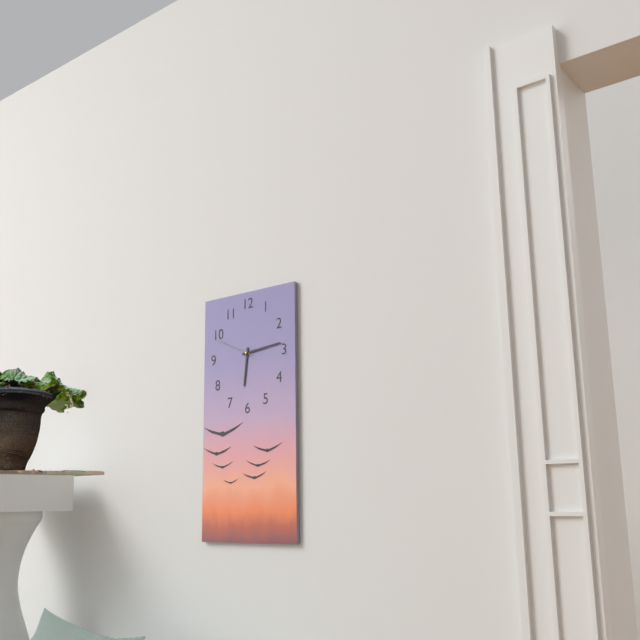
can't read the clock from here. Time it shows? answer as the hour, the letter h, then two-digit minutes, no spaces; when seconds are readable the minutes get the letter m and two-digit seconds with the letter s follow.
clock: 6h14
